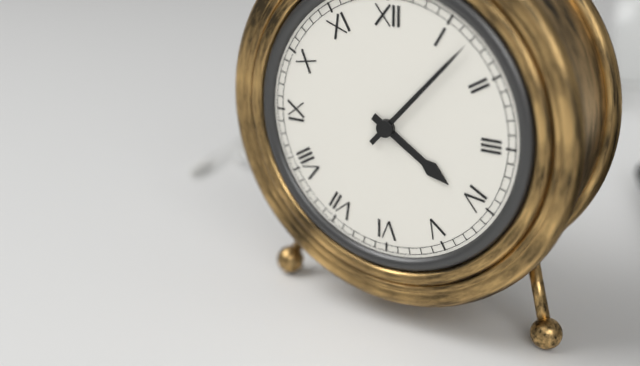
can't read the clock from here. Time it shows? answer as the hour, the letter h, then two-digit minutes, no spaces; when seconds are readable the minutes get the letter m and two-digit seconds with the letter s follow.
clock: 4h07
